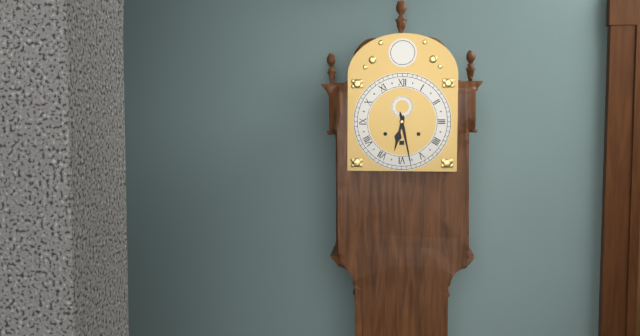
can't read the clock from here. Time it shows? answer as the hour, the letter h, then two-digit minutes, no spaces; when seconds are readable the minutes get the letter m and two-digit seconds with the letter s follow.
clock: 6h28
